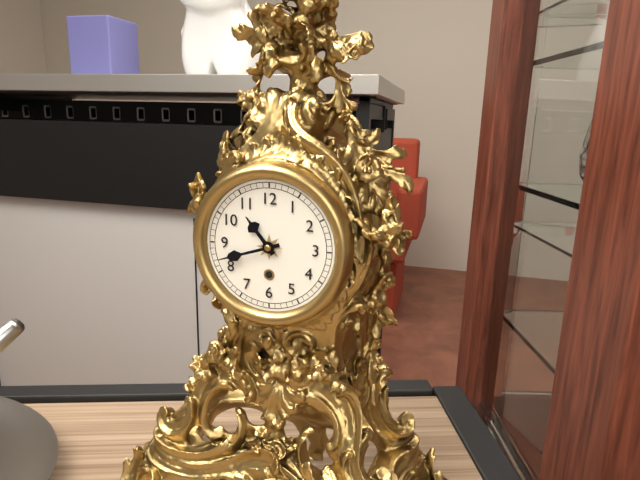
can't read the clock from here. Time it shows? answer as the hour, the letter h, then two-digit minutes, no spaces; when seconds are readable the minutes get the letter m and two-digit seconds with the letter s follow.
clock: 10h42
